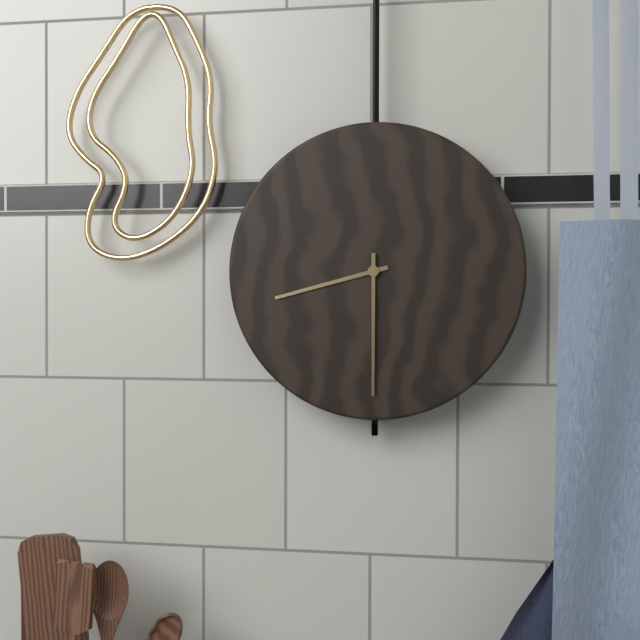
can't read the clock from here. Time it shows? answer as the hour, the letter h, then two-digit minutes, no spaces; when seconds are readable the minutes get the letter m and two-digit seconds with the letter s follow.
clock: 8h30
